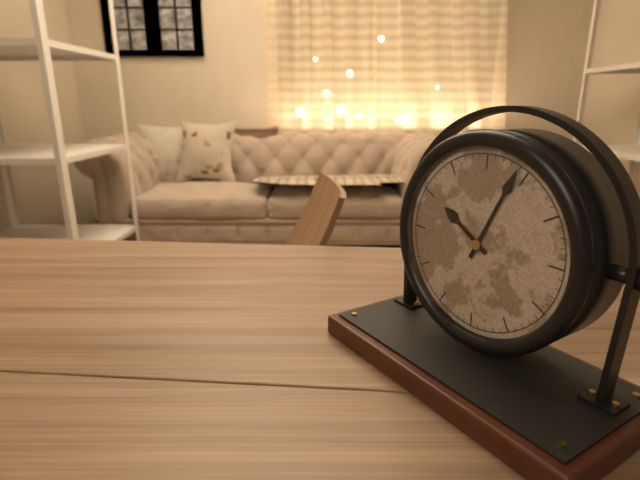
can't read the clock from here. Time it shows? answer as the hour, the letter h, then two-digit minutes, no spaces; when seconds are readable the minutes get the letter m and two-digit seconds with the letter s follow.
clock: 10h04
